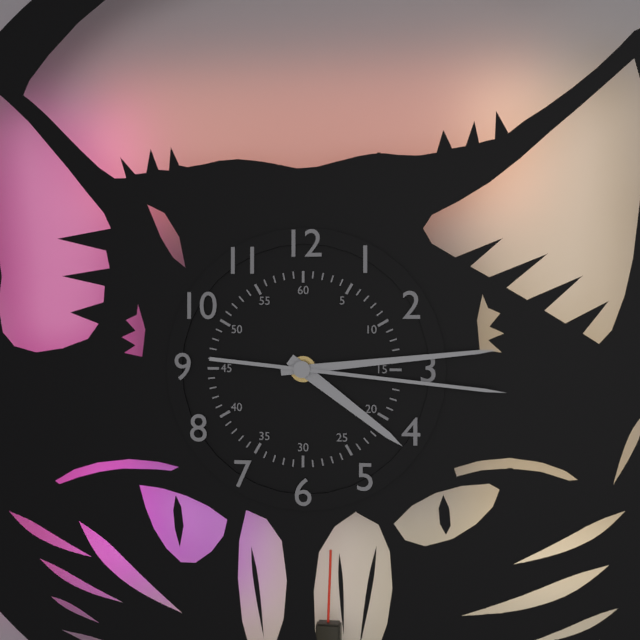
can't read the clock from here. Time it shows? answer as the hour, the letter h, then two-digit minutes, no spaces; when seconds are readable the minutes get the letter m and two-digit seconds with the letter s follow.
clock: 4h14m16s
